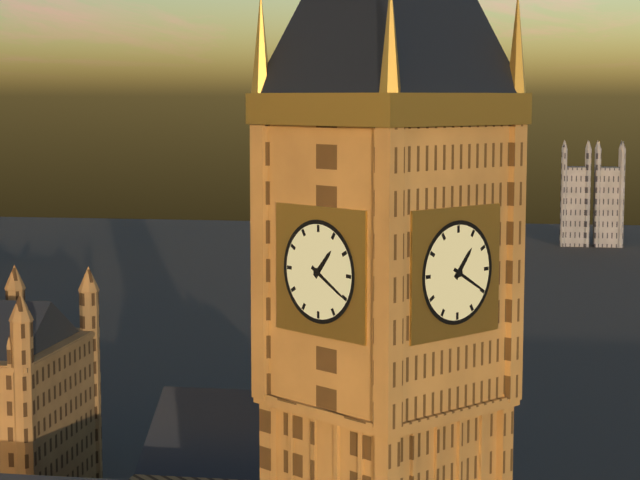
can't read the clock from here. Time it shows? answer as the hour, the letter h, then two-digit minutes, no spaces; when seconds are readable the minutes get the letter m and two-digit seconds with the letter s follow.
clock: 1h20
